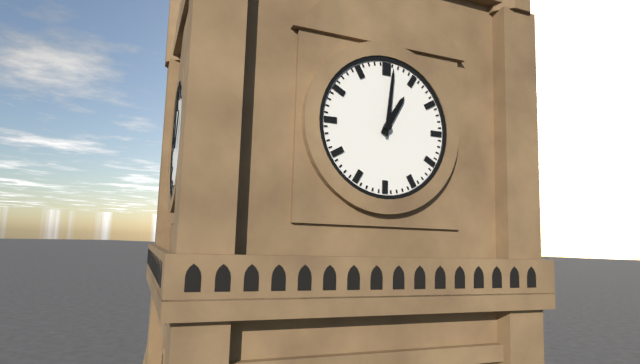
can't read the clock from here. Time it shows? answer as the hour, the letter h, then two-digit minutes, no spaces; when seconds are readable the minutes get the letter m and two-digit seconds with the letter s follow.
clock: 1h01
